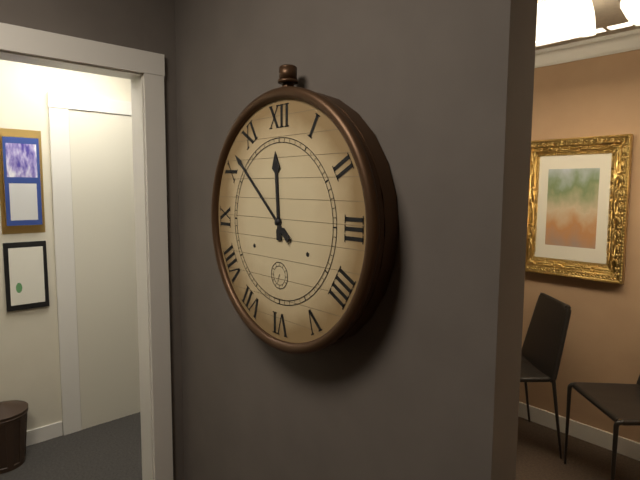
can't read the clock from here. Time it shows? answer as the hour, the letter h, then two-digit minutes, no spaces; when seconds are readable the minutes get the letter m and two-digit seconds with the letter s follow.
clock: 11h52
